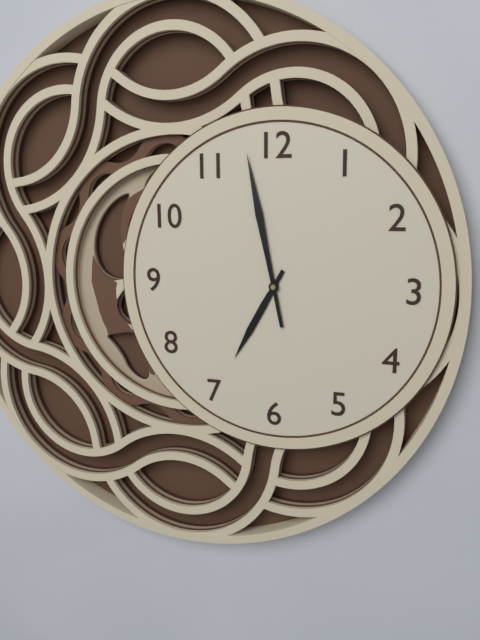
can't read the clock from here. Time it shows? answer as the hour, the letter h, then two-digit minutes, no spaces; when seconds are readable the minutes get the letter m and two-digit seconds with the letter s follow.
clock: 6h58
